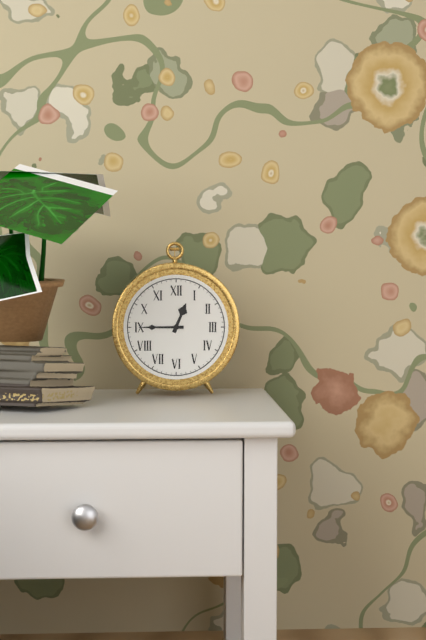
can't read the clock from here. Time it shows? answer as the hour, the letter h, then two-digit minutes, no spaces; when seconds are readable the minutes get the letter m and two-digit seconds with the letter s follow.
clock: 12h45
